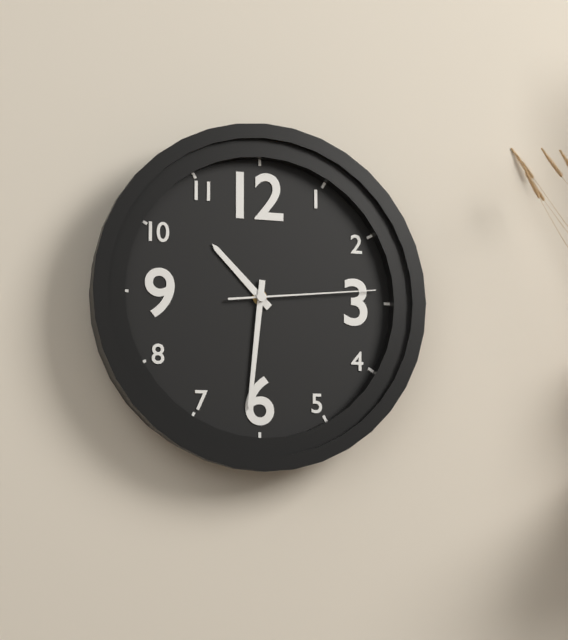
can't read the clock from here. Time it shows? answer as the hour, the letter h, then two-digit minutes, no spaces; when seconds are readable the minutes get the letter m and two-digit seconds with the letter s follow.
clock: 10h31m14s
